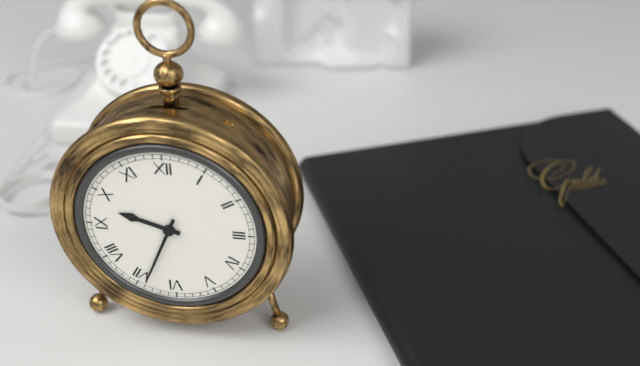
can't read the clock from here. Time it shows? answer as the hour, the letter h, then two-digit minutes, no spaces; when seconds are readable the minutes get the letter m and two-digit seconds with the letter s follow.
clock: 9h34
